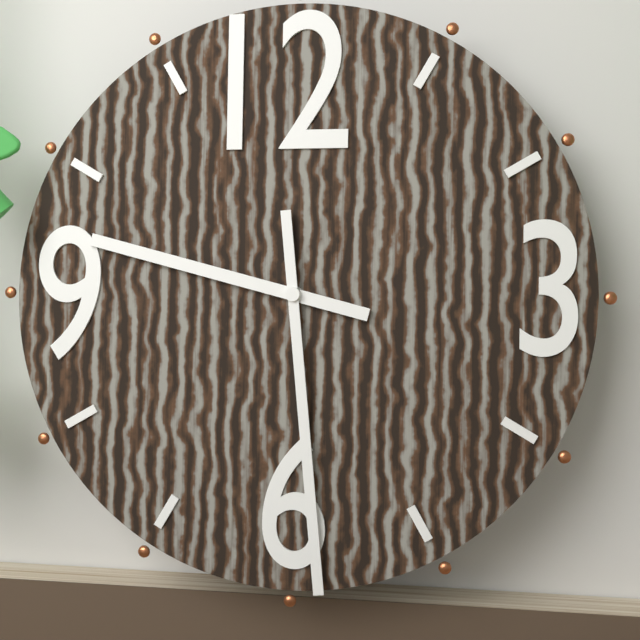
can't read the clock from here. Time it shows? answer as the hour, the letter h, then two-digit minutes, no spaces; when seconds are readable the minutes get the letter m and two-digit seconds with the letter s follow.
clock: 9h29
